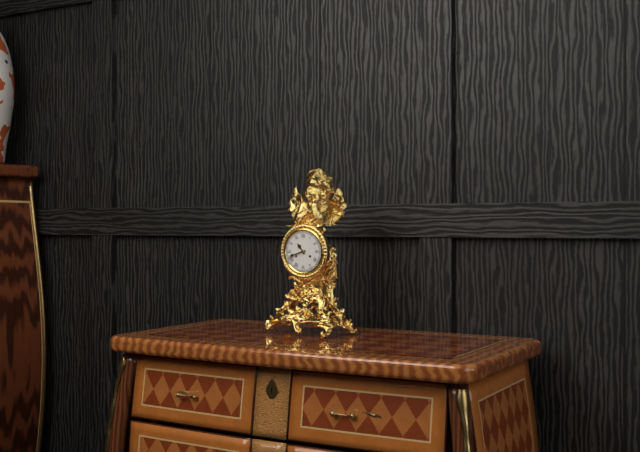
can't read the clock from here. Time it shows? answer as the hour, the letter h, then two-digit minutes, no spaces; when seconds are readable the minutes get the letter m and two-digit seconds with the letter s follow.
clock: 10h42
